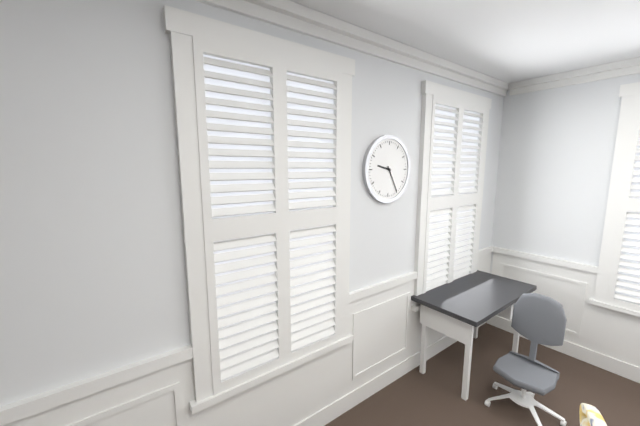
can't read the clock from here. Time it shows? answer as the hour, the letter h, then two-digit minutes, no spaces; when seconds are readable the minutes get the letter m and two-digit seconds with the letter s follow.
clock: 9h25
